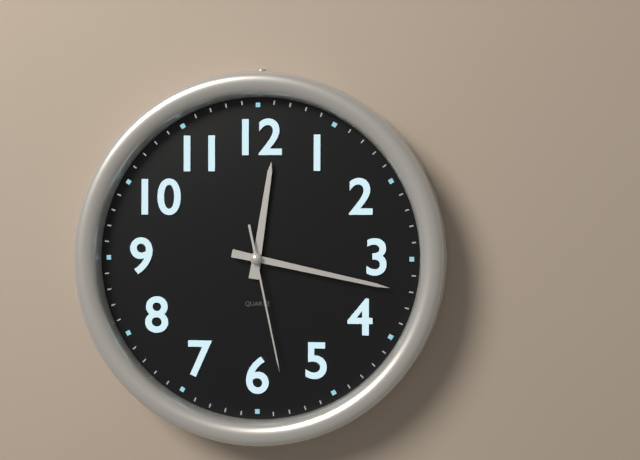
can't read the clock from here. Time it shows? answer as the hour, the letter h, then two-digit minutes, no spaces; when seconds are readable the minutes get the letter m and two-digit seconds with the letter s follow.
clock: 12h17m28s
